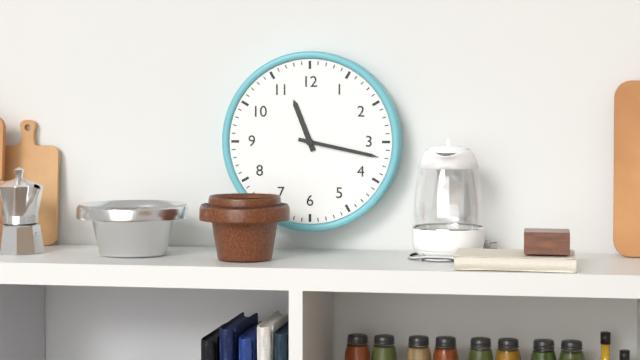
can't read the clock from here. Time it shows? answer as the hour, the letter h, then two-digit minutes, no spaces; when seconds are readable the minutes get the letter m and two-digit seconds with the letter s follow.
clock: 11h17
